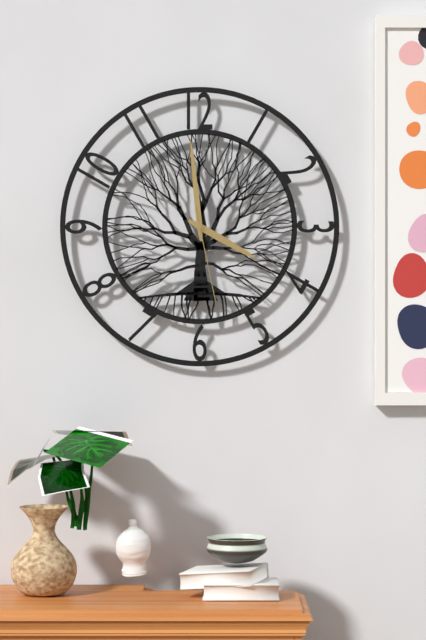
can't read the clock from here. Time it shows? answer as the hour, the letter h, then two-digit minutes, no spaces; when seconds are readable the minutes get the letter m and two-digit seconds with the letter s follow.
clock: 3h59m28s
